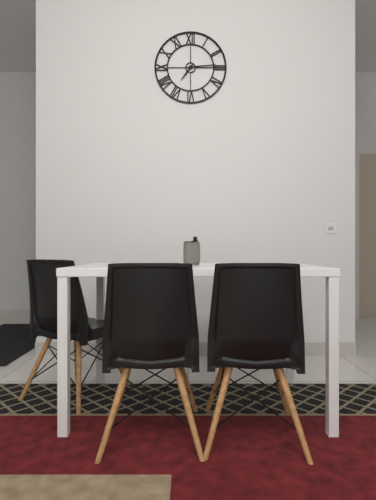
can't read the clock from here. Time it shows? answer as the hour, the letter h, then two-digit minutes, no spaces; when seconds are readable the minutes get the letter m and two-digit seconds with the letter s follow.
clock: 7h14
